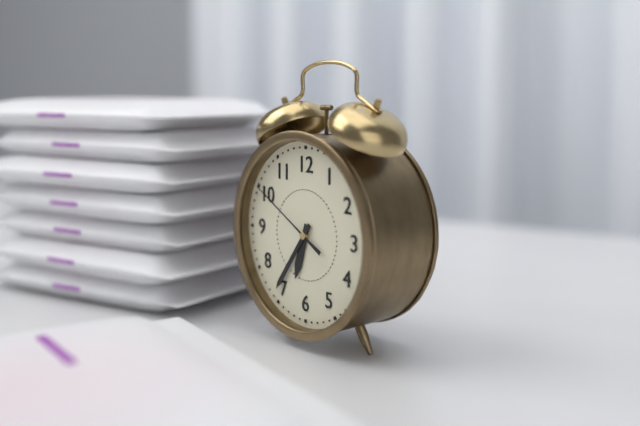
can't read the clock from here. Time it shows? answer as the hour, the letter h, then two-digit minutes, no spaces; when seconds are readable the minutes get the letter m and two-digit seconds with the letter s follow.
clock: 6h36m50s
